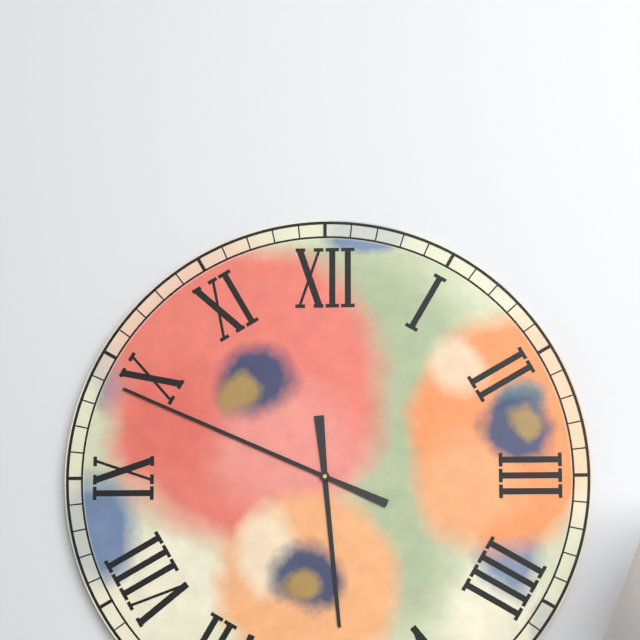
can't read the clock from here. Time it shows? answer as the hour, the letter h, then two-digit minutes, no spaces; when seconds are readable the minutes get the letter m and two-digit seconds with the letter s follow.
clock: 5h49
